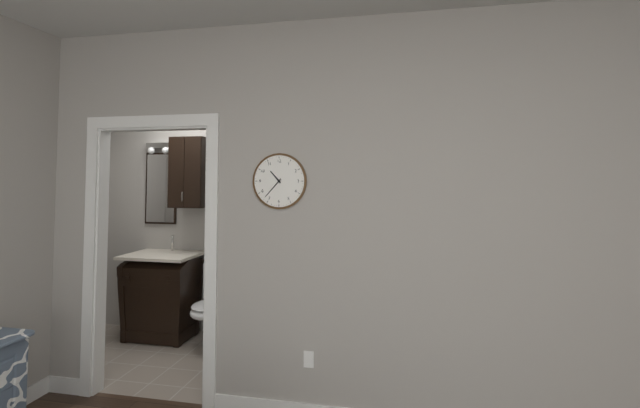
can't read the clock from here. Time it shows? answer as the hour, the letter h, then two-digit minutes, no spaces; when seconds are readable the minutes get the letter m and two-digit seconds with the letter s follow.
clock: 10h37
